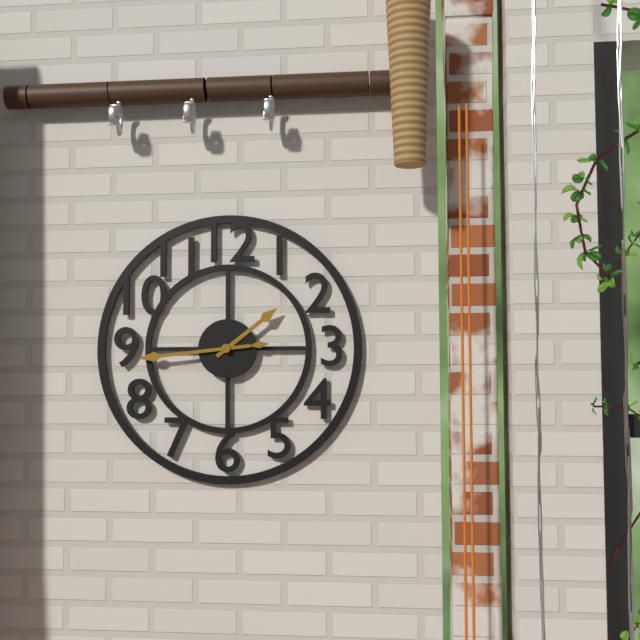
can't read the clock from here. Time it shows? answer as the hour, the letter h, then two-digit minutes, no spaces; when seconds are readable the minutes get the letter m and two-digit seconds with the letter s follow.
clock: 1h44
